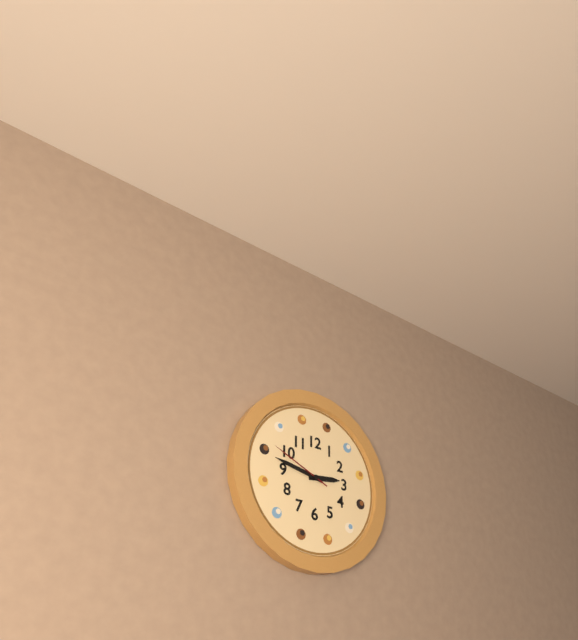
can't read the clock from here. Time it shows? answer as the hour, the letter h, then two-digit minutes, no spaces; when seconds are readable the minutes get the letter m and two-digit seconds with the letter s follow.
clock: 2h47m49s
